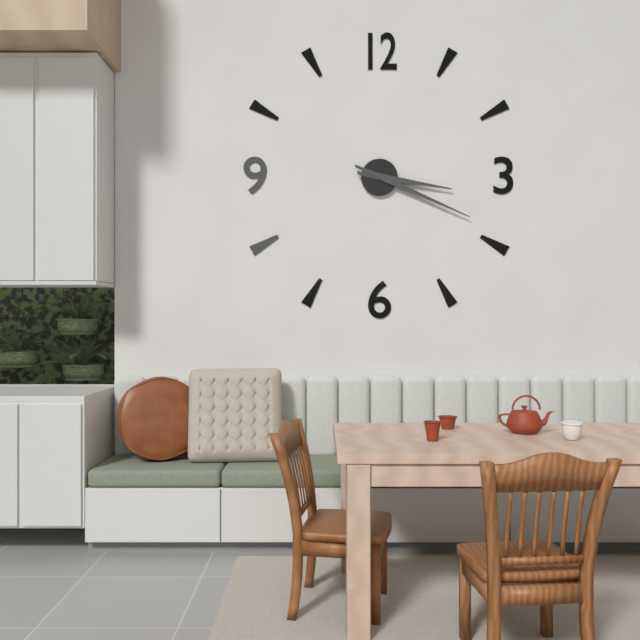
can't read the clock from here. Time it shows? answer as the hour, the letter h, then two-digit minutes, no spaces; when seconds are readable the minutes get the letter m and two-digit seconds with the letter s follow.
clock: 3h19
